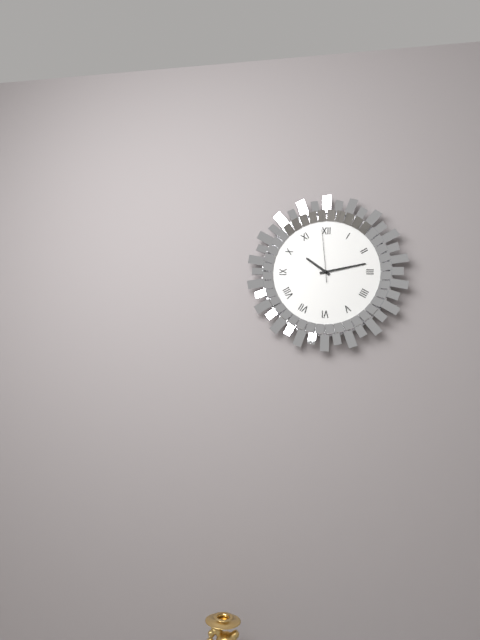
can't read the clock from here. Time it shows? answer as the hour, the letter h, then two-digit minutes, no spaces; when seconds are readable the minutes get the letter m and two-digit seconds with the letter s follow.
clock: 10h13m59s
